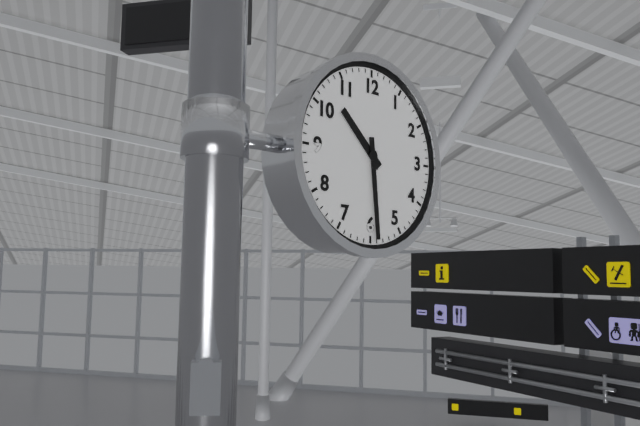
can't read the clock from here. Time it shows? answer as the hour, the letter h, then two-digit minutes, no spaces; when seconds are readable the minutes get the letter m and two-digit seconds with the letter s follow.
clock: 10h29
